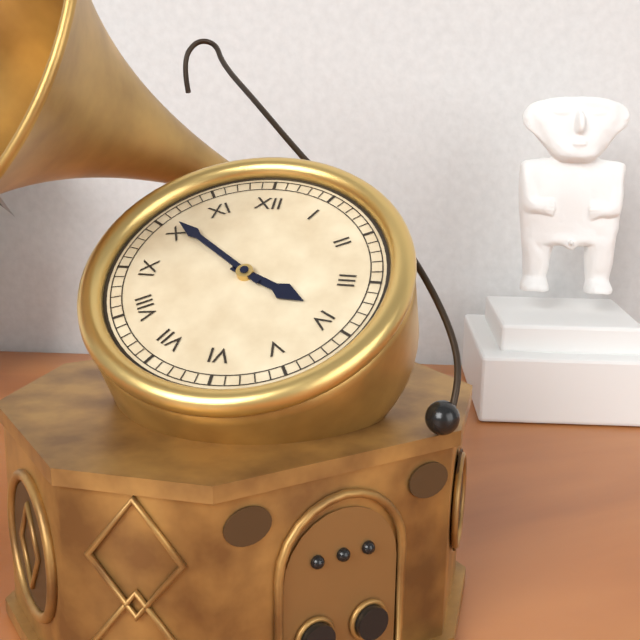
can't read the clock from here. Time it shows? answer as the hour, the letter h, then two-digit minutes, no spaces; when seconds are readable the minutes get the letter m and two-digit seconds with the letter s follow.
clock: 3h51
